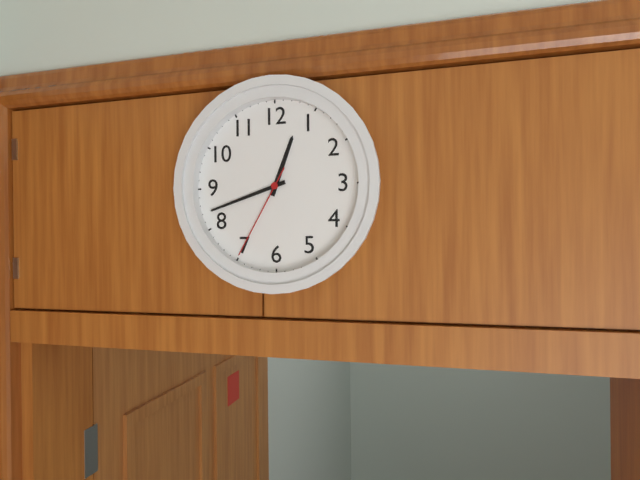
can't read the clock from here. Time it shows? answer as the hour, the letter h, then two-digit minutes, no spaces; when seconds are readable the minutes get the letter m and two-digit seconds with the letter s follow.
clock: 12h42m35s
